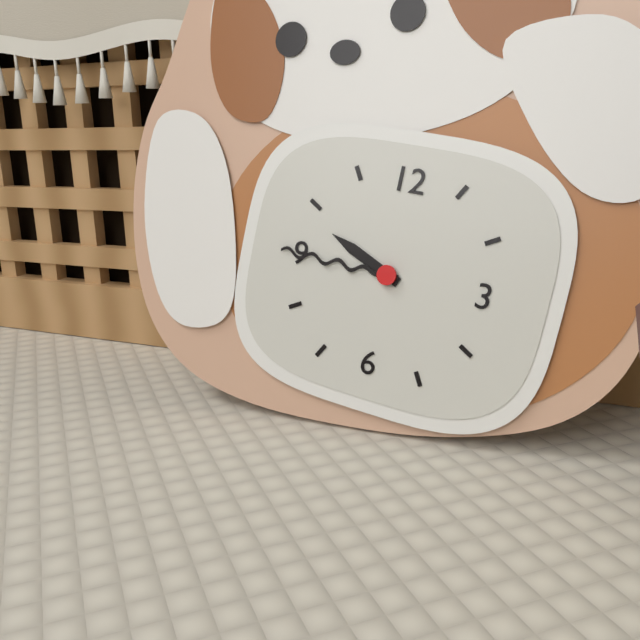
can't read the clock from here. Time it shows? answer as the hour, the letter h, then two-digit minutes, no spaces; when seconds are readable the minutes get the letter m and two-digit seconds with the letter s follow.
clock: 9h45
